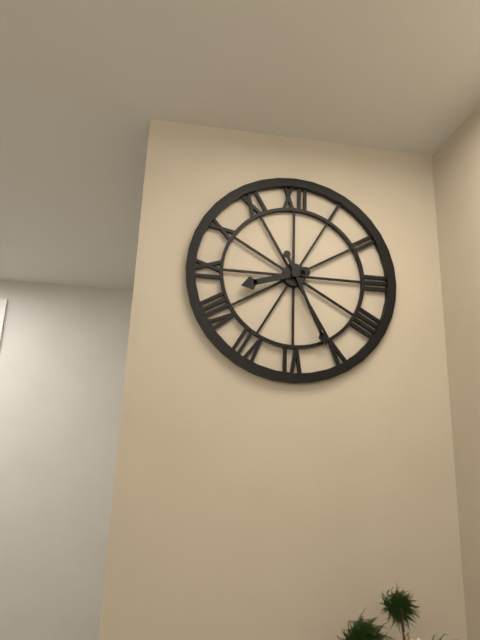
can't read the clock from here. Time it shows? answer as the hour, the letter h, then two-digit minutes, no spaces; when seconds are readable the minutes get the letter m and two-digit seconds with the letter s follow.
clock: 8h26
